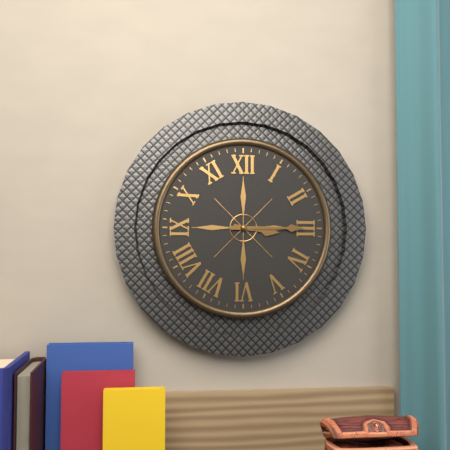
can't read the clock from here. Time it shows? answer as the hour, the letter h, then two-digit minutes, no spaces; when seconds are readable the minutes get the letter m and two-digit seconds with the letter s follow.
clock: 3h15
